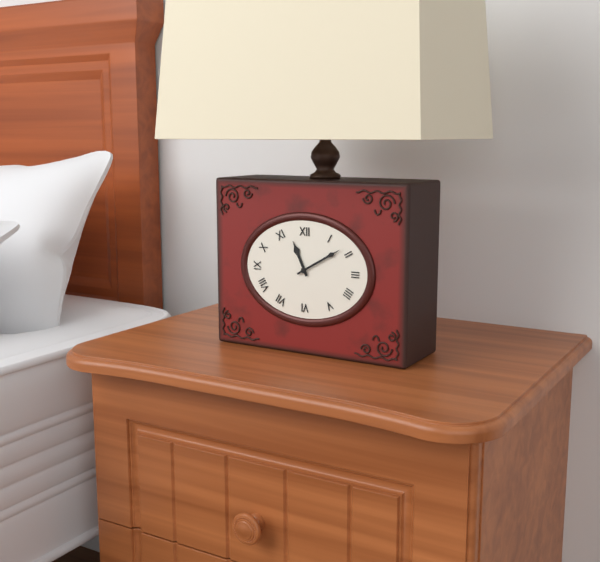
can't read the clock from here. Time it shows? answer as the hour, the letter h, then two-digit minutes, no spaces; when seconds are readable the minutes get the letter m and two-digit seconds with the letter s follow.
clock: 11h10
